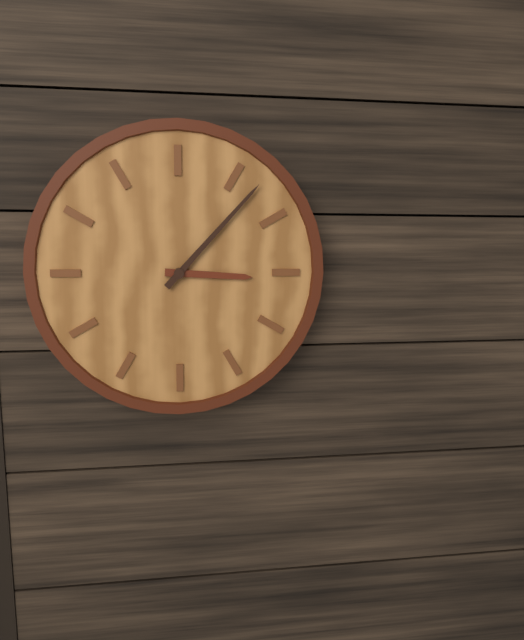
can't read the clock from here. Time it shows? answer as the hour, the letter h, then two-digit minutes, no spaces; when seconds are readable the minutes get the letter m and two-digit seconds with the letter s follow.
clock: 3h07
